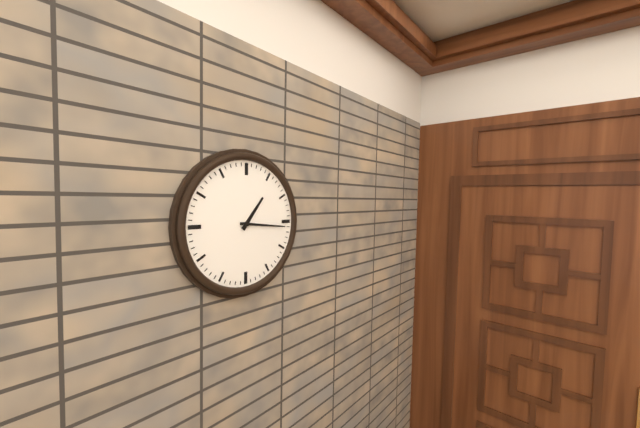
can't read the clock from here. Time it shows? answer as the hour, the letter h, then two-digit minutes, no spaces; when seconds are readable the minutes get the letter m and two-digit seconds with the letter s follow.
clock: 1h16
